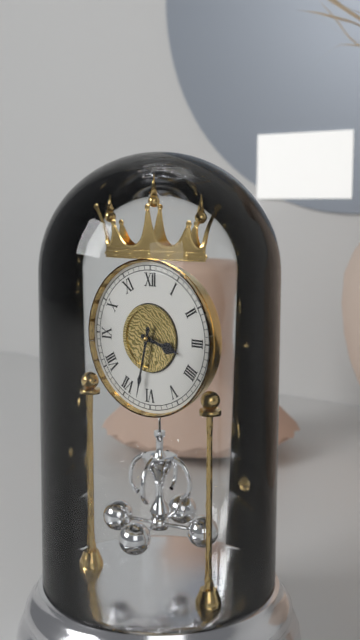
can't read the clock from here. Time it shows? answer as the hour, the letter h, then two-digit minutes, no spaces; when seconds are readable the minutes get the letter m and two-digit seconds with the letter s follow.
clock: 3h32
